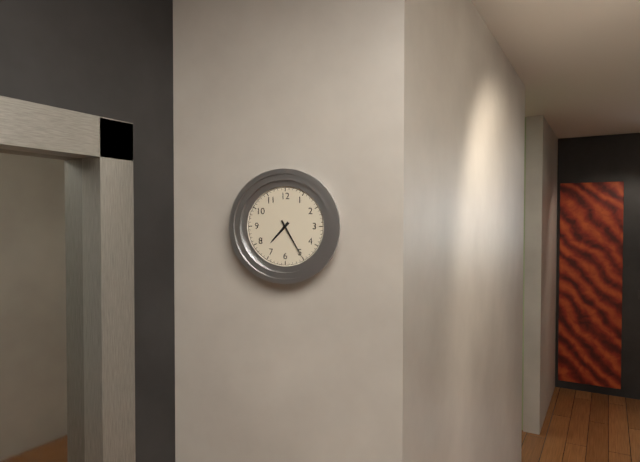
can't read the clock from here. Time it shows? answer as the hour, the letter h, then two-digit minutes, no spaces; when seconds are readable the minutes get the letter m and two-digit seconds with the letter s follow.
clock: 7h25
